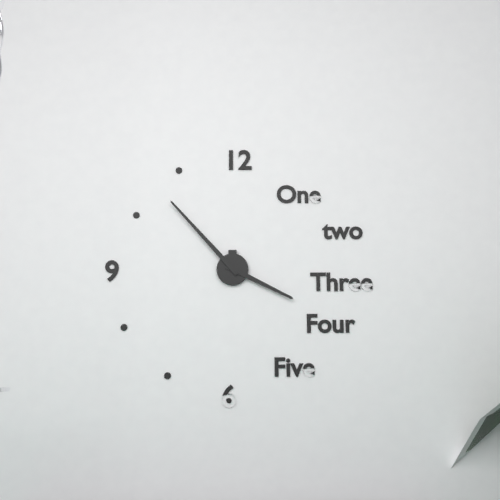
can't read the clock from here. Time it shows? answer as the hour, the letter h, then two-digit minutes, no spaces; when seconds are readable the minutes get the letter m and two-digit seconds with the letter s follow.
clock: 3h53
